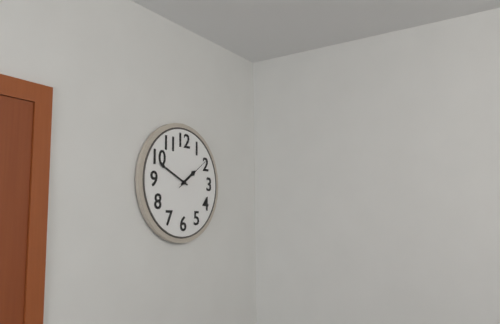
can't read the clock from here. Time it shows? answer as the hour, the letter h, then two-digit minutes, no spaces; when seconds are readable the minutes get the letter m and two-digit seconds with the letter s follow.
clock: 1h49
